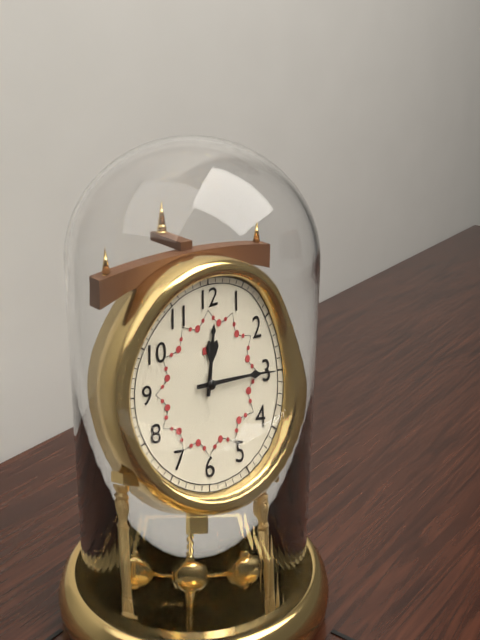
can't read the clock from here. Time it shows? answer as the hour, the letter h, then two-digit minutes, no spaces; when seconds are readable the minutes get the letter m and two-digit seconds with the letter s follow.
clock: 12h15
